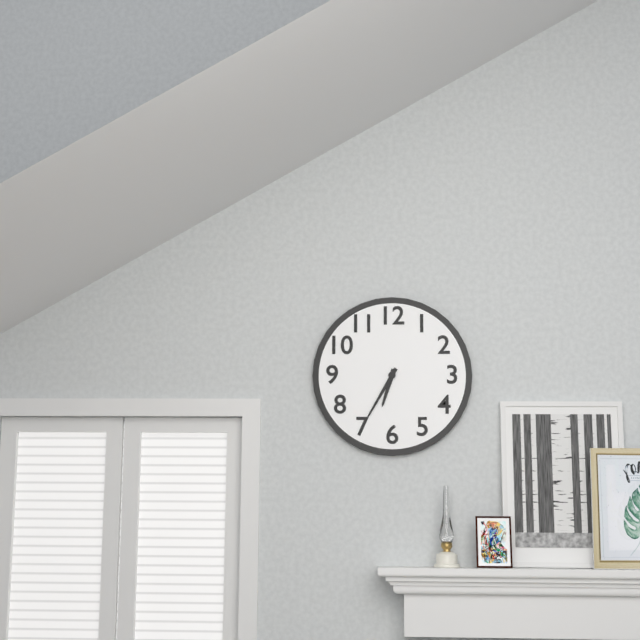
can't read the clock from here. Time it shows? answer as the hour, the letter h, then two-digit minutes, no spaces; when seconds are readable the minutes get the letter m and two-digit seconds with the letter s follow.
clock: 6h35
